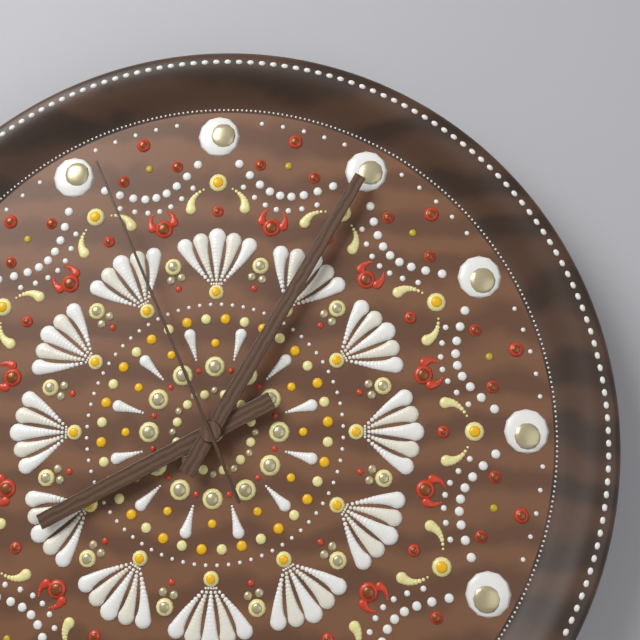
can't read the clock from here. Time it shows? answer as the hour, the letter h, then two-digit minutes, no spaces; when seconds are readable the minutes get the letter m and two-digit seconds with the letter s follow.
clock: 8h05m56s
